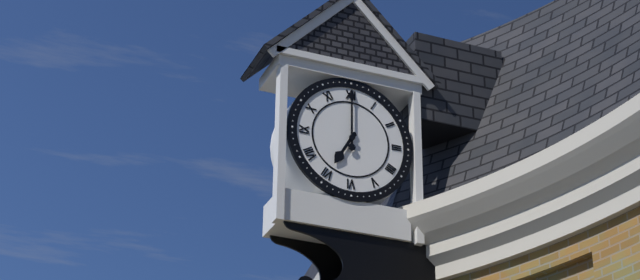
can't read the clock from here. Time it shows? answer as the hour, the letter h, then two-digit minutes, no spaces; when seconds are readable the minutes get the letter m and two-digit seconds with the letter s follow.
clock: 7h00
